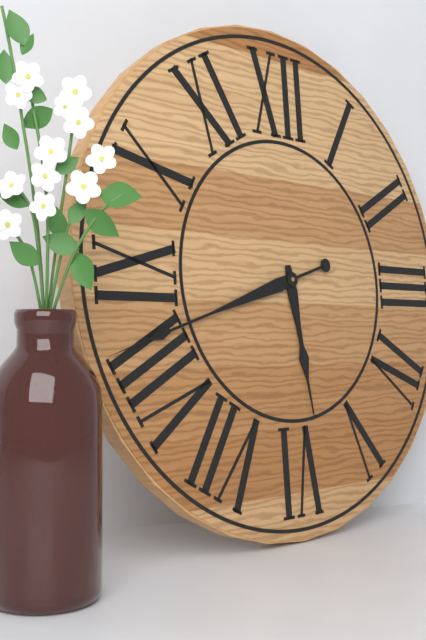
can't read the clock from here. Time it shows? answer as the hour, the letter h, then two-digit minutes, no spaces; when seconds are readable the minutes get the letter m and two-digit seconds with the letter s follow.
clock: 5h42
